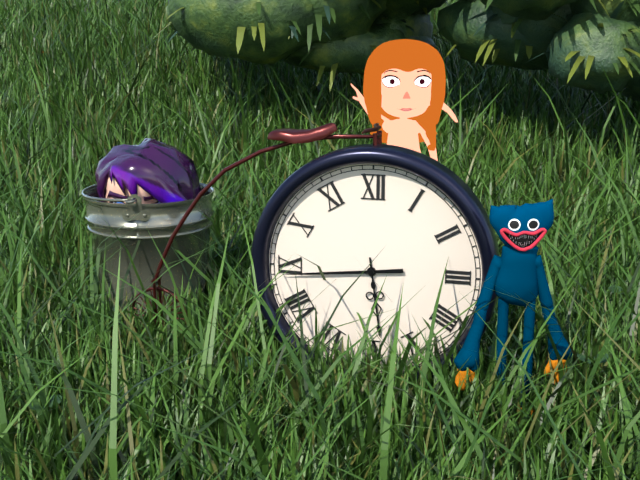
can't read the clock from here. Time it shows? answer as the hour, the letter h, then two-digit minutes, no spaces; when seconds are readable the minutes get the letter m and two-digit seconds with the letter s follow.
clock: 5h44
